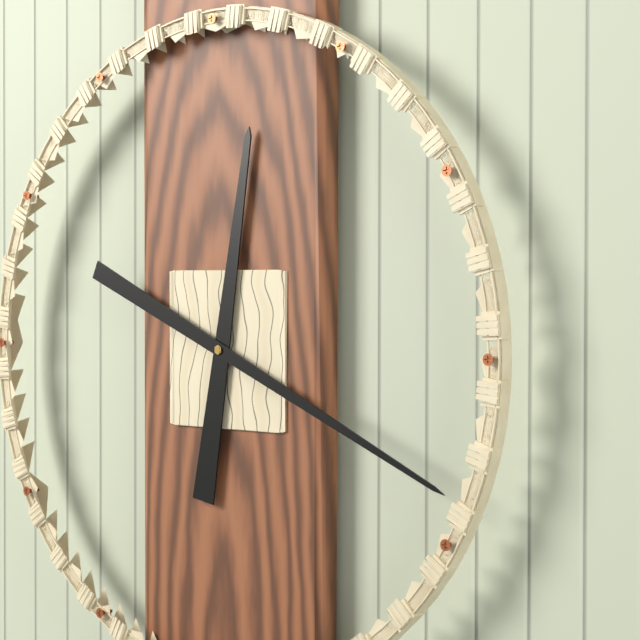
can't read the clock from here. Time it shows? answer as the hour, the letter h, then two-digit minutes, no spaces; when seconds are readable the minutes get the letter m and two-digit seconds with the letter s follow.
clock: 12h19
